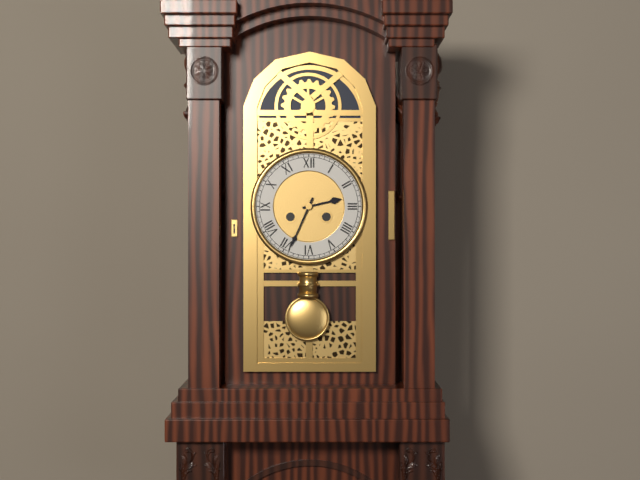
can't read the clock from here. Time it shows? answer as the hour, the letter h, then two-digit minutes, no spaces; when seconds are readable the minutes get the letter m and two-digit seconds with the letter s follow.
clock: 2h34
